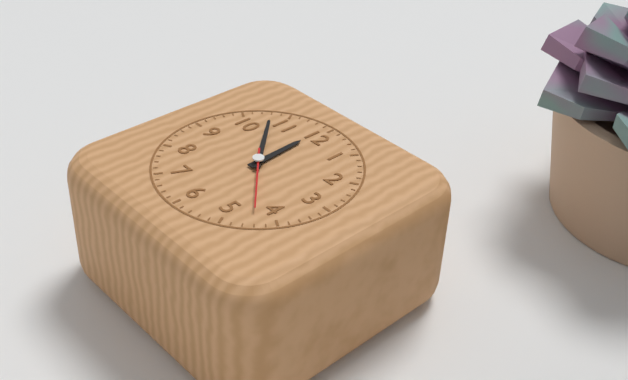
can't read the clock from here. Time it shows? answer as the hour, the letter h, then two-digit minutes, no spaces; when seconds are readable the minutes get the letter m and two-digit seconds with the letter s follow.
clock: 11h53m22s
